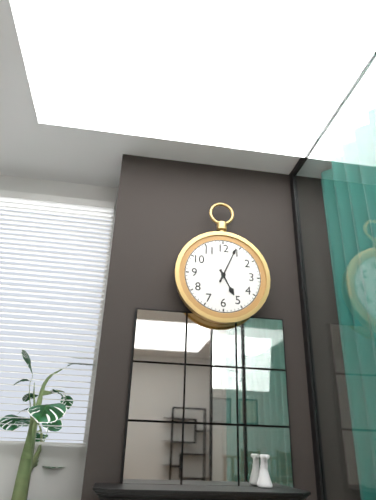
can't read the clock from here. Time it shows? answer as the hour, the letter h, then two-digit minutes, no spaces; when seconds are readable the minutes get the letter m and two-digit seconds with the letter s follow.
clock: 5h04
